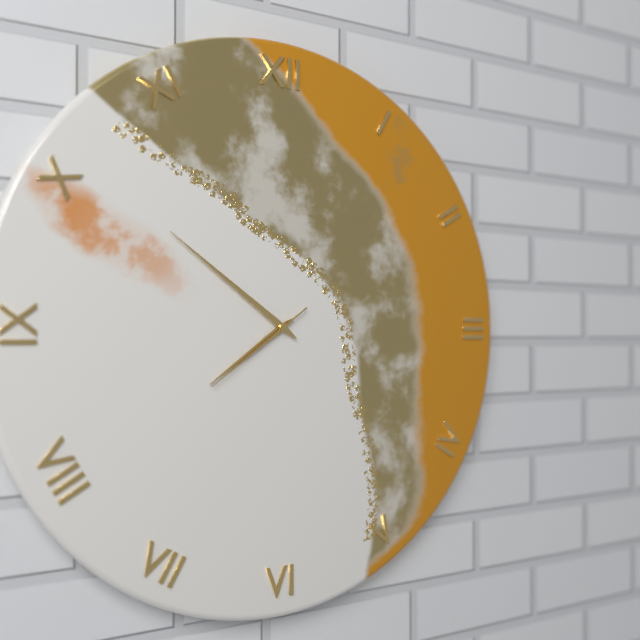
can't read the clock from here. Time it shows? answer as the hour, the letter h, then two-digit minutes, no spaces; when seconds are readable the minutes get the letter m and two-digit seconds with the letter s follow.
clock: 7h51m39s
